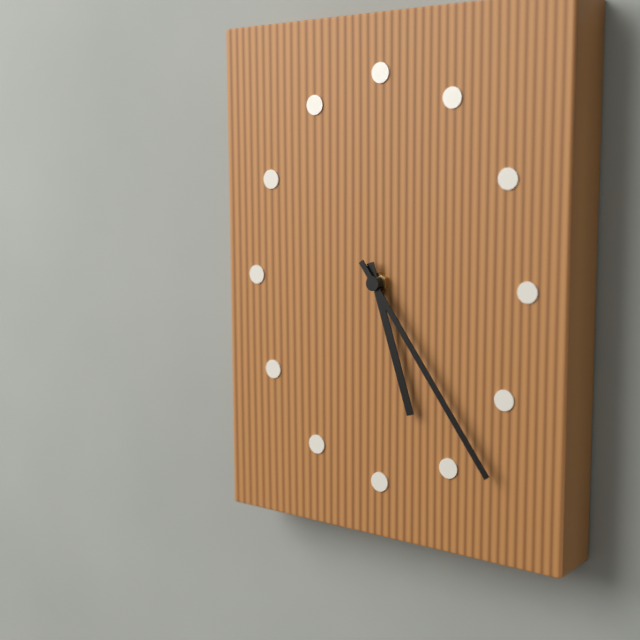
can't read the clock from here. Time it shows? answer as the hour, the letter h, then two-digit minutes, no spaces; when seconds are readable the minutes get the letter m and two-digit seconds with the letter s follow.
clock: 5h24
